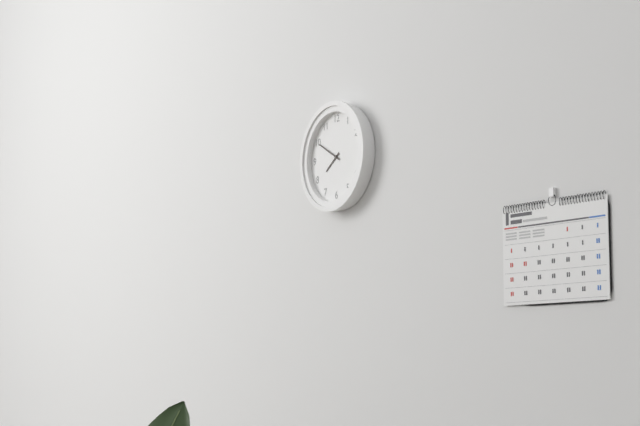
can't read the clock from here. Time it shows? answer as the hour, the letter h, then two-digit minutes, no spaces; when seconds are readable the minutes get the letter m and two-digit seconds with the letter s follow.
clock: 7h50
